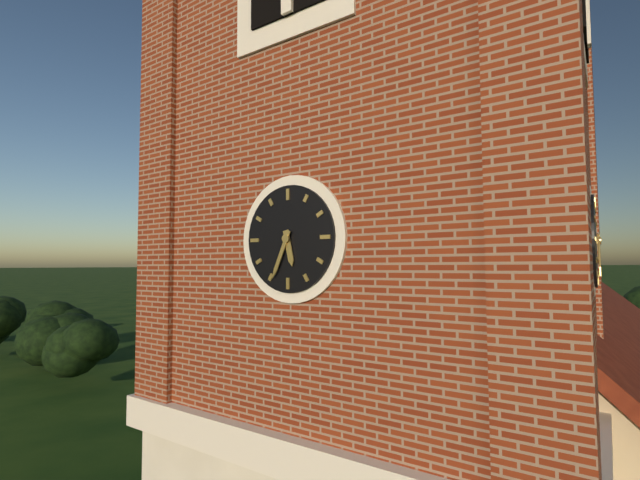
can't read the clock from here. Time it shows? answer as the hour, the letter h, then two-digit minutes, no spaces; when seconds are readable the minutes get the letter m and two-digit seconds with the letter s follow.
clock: 5h34
